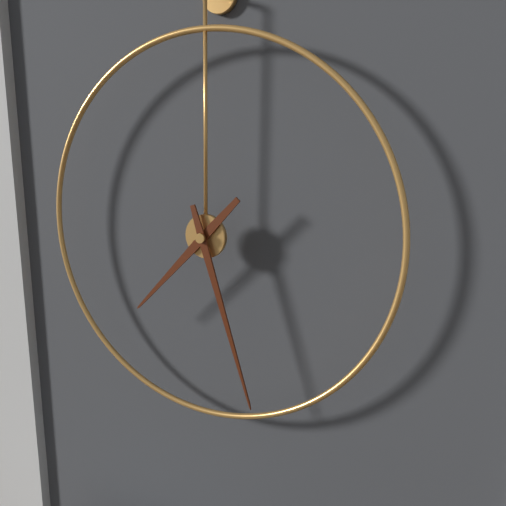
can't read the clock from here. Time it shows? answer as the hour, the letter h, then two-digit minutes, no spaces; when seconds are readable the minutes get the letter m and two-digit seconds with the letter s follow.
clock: 7h27
